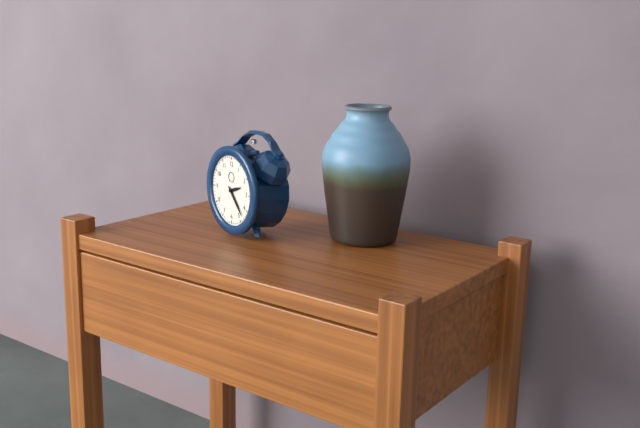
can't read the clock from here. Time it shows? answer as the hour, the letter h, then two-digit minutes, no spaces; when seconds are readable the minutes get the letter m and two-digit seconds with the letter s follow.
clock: 2h23
